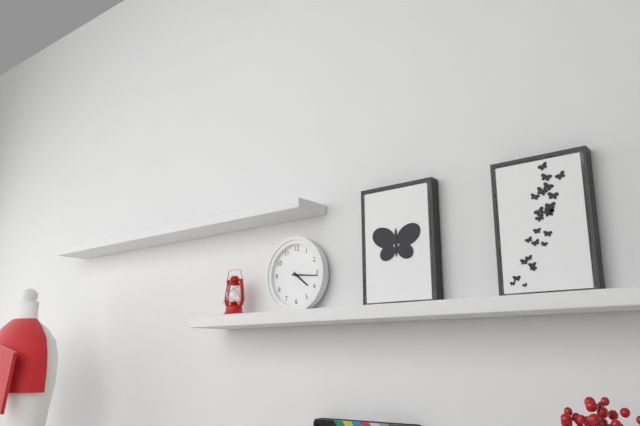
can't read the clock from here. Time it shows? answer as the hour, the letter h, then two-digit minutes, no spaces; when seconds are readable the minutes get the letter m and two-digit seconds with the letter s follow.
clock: 4h16
